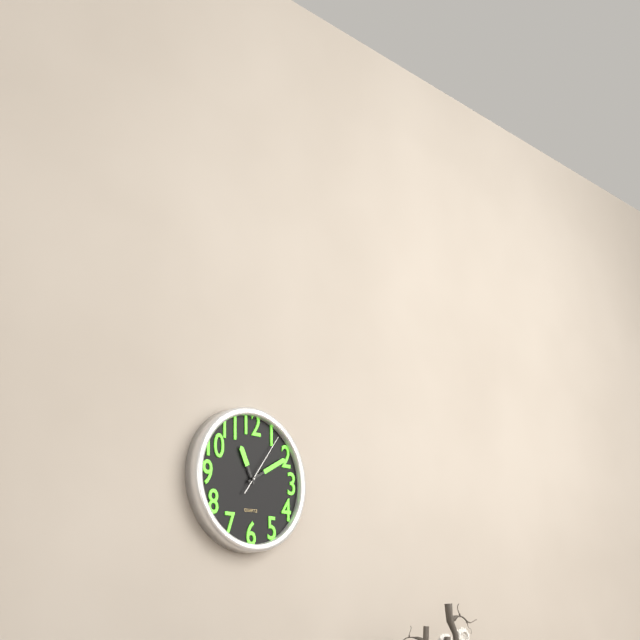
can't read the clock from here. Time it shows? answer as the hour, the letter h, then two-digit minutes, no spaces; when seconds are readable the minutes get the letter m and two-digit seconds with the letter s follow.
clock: 11h10m06s
